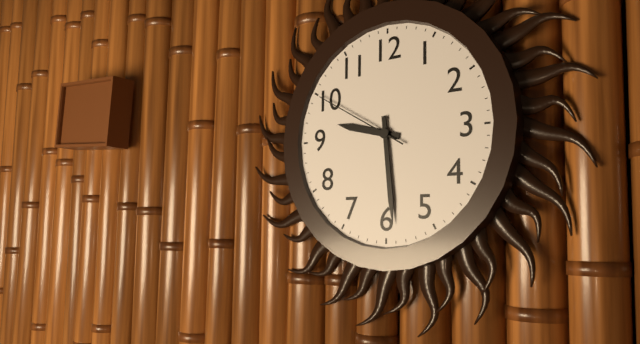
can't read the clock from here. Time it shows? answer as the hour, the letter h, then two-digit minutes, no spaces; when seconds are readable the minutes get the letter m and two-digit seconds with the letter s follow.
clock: 9h29m50s
